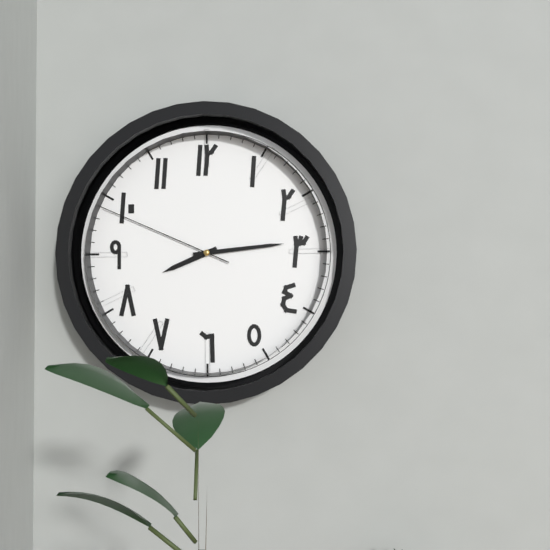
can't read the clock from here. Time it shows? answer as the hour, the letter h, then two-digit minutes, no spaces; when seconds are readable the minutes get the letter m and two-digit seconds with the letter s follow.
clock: 8h14m49s
